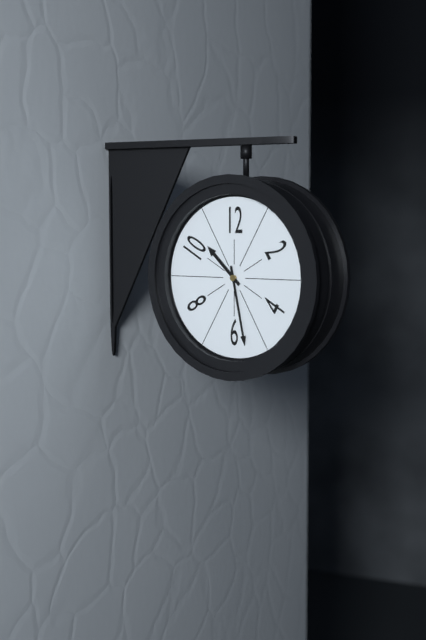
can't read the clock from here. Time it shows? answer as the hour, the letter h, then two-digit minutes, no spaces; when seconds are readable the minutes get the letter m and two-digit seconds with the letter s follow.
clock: 10h28
